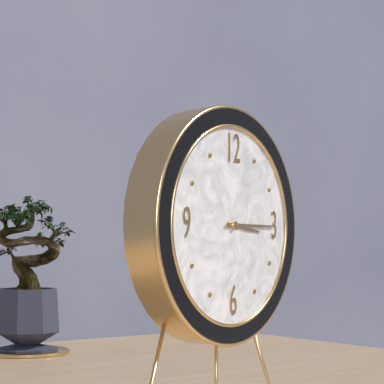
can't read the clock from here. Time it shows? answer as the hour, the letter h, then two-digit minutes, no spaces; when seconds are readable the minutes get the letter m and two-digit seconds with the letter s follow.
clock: 3h15
